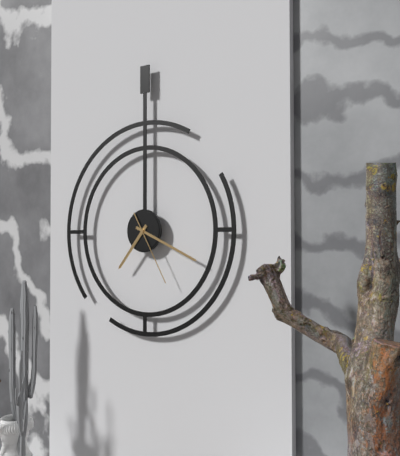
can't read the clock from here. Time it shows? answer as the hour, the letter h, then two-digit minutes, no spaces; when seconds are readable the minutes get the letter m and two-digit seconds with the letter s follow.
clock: 7h19m25s
